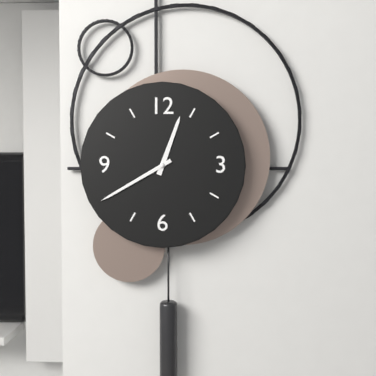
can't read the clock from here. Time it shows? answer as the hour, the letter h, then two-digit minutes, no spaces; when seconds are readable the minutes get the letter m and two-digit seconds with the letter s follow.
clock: 12h40
